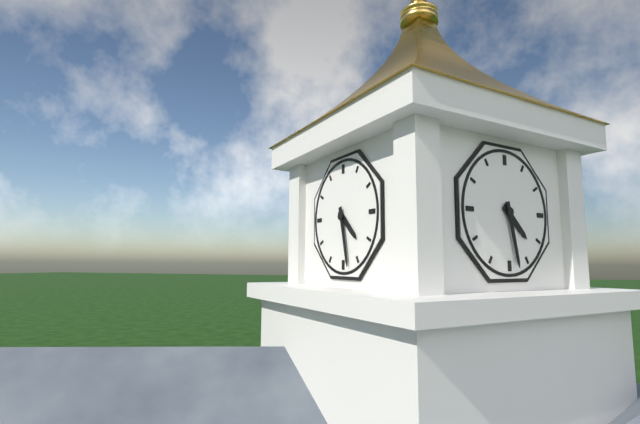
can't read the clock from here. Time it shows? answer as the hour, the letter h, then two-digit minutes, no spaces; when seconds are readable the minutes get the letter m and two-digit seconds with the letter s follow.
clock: 4h28
